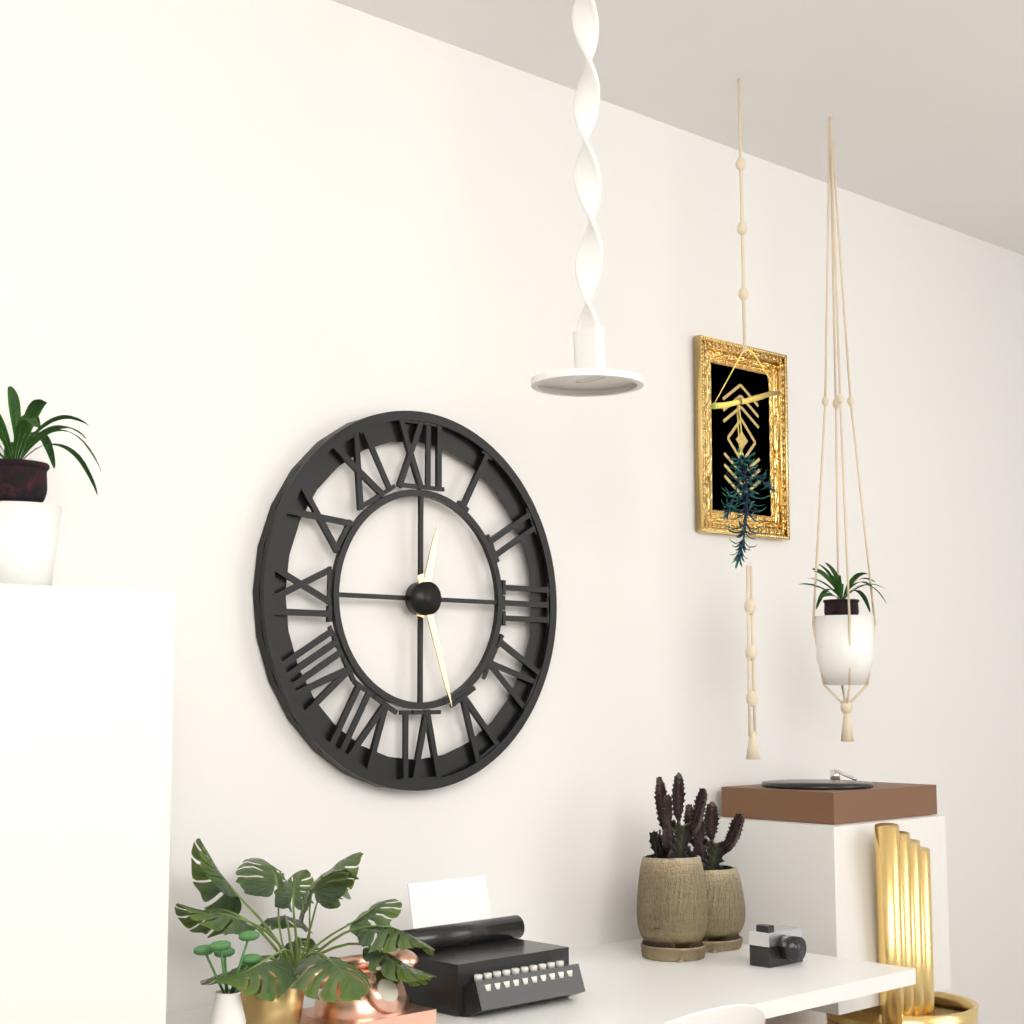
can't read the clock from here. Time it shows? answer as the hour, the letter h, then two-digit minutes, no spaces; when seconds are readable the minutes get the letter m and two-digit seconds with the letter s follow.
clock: 12h27
